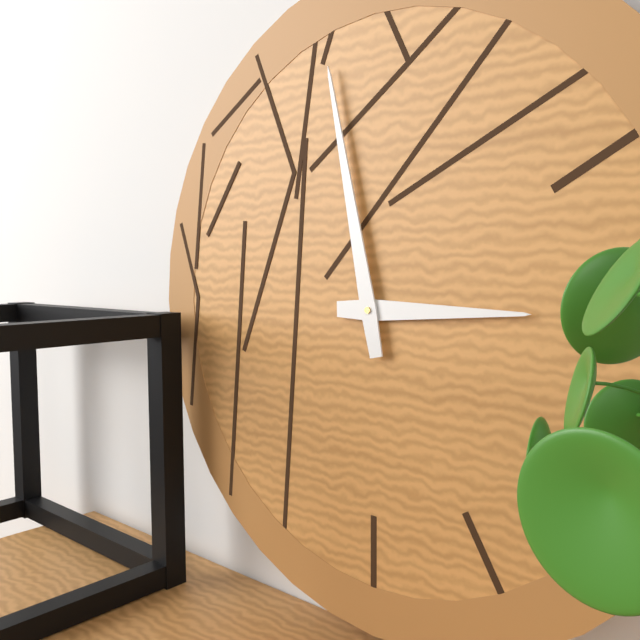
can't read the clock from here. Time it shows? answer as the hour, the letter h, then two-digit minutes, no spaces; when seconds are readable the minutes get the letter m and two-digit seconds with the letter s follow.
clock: 2h58
